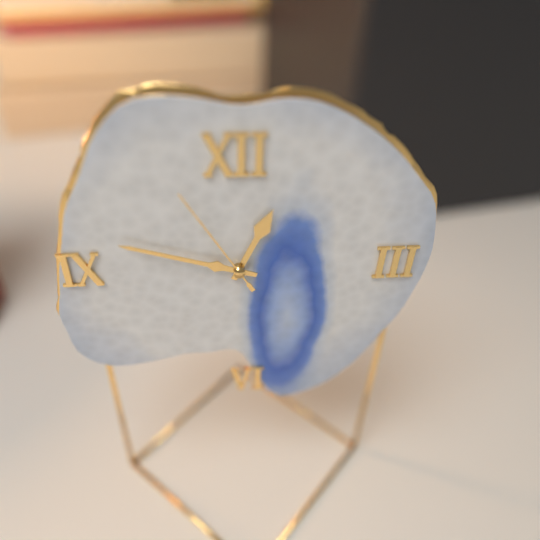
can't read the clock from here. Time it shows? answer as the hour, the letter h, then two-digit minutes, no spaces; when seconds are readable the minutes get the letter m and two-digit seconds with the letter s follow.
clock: 12h48m55s
